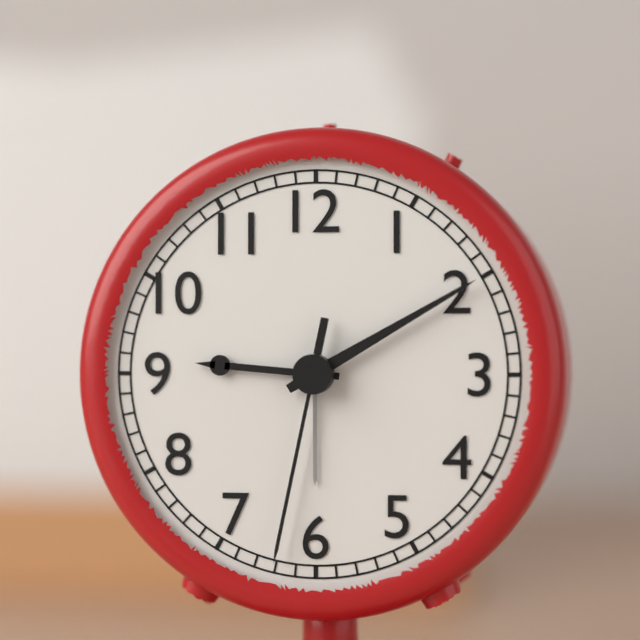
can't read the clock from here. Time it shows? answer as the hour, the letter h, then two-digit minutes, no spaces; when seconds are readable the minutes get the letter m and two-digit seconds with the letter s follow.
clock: 9h10m32s
